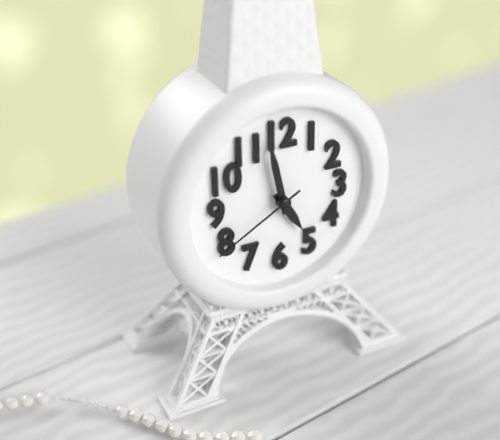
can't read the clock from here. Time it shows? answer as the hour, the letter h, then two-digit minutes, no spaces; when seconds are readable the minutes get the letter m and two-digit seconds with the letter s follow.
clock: 4h58m40s
